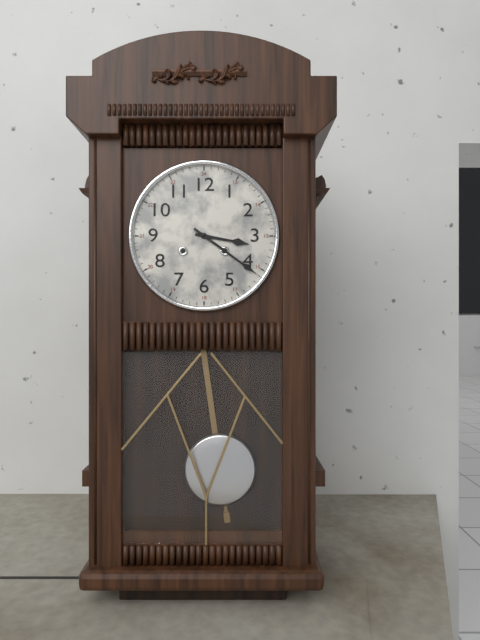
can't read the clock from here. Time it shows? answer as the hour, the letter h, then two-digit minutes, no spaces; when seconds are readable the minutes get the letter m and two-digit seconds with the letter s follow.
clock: 3h21
